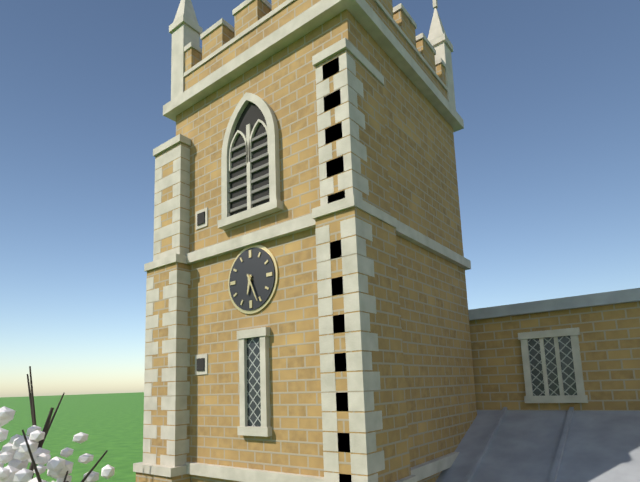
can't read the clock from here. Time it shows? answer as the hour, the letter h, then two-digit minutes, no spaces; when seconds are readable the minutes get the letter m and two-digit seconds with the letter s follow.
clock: 6h26
